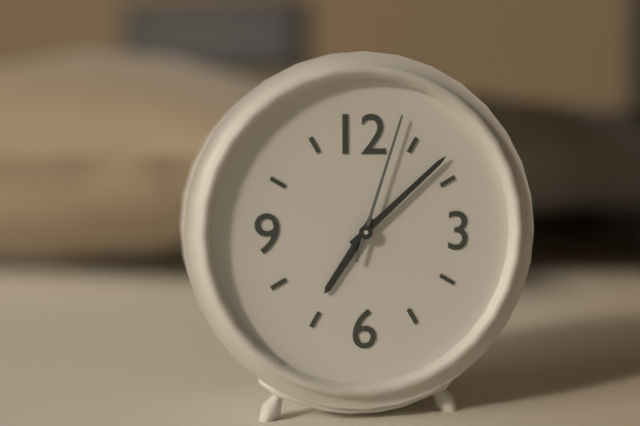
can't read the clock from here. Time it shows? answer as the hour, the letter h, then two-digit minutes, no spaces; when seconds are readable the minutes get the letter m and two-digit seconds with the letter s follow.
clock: 7h08m03s
